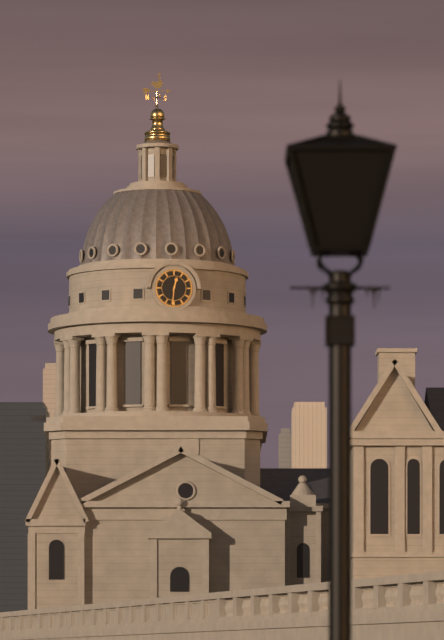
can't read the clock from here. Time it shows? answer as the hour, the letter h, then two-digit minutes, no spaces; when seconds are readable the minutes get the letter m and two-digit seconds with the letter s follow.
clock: 12h31
